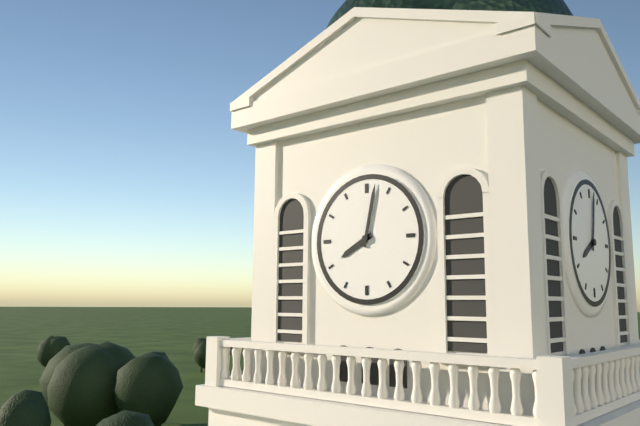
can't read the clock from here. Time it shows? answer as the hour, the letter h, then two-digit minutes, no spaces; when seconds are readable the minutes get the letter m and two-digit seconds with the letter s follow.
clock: 8h02
